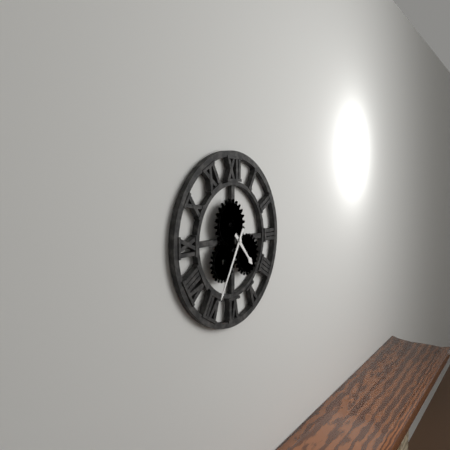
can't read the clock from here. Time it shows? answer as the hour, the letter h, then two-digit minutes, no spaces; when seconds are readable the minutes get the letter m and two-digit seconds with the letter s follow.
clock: 4h35
